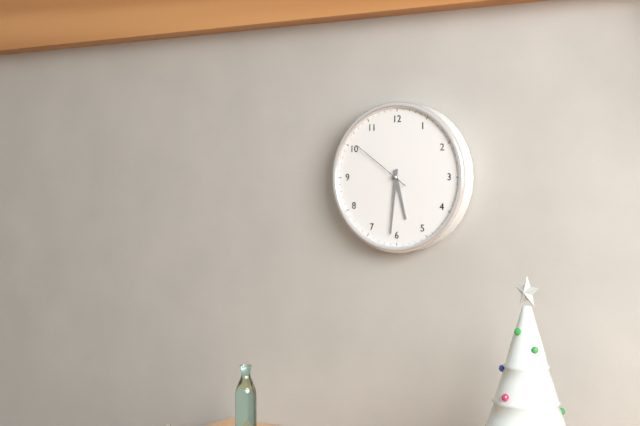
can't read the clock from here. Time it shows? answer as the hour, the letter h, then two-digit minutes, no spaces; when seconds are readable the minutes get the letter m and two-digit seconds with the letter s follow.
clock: 5h31m51s
